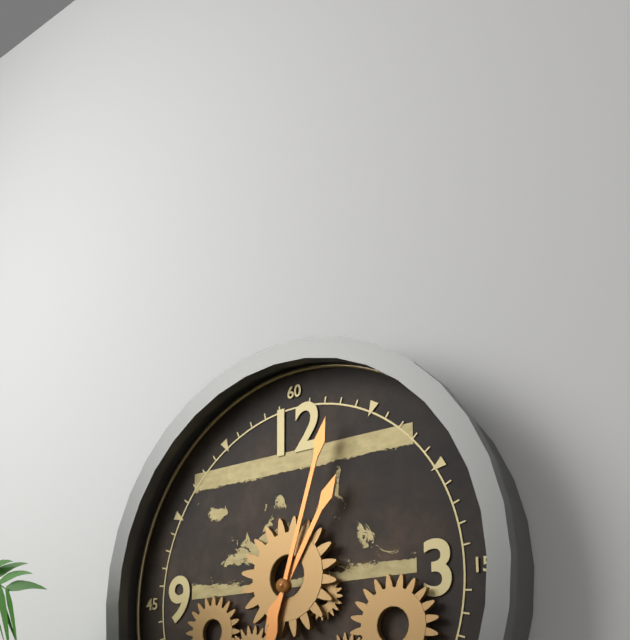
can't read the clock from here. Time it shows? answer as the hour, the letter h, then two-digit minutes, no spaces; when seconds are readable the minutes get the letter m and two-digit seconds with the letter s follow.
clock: 1h03
